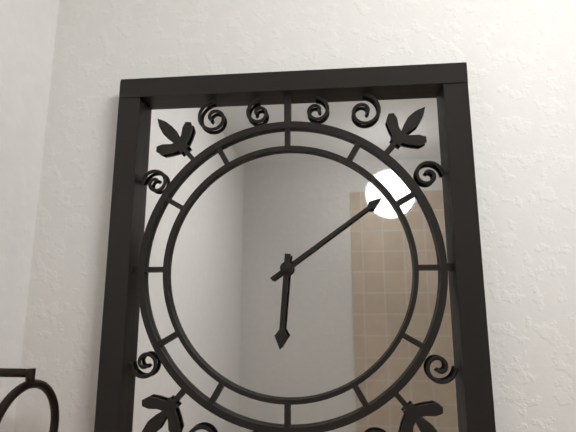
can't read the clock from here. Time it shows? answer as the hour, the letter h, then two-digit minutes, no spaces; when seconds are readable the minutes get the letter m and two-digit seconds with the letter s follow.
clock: 6h09
